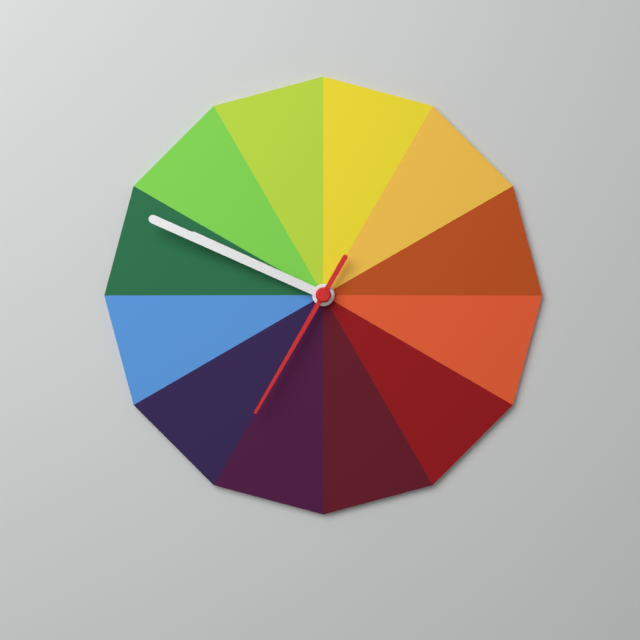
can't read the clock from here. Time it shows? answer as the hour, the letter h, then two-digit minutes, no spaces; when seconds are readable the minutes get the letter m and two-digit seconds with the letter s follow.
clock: 9h49m35s
